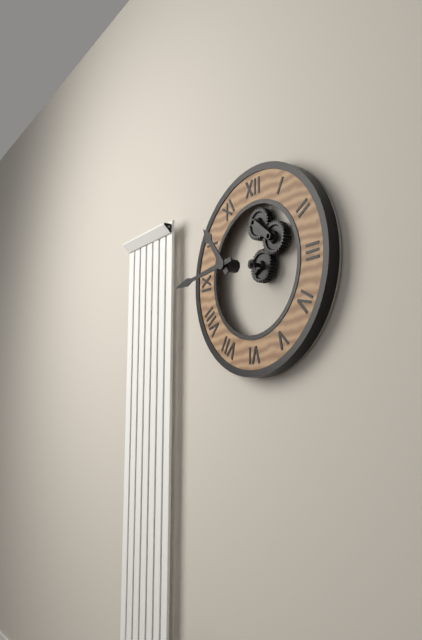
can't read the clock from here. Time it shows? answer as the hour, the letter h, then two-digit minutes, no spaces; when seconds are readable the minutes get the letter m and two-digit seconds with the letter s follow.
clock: 10h44
